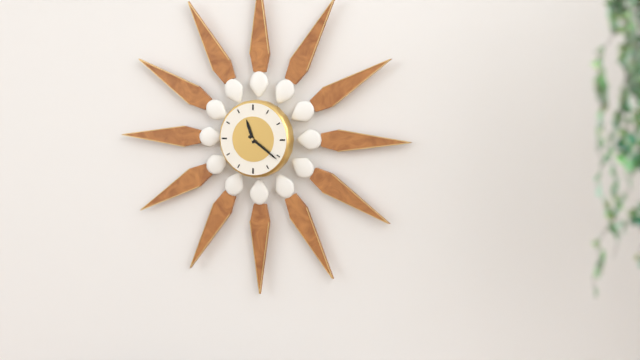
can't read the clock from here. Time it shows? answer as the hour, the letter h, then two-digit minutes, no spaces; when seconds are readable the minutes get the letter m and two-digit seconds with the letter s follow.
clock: 11h21
